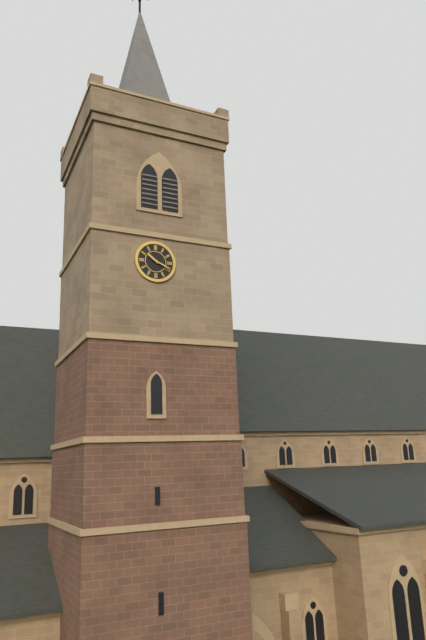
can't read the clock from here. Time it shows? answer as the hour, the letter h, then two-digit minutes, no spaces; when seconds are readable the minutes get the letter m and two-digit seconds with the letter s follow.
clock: 10h19
